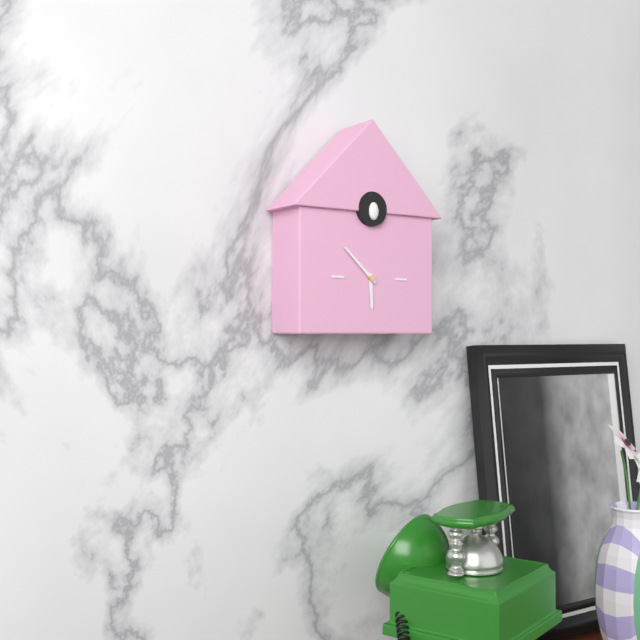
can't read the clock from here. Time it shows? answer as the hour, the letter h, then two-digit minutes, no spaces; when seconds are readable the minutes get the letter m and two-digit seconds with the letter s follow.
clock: 5h52
